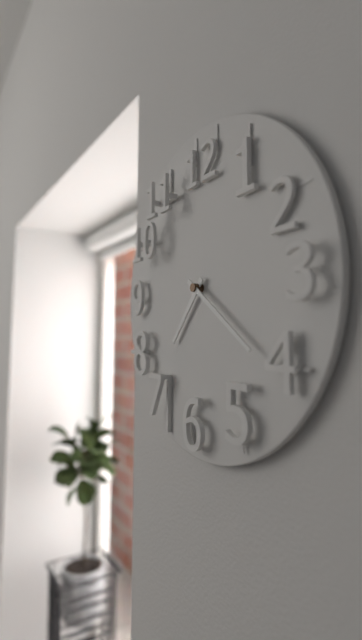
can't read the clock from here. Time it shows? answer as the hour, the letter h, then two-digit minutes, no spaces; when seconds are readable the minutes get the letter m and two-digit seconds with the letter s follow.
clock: 7h21
